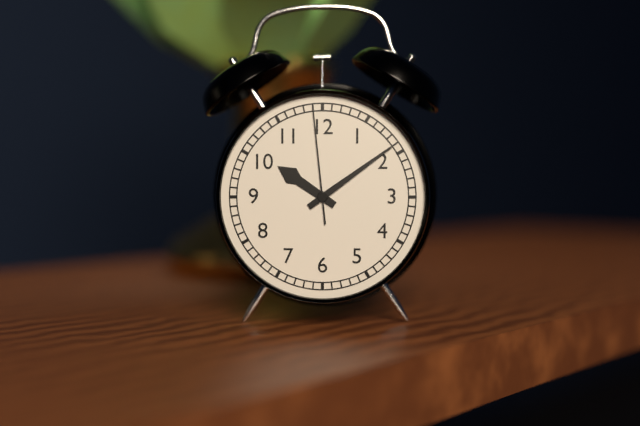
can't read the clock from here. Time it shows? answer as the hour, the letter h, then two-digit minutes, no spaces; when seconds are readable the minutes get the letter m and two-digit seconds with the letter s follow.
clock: 10h09m59s
